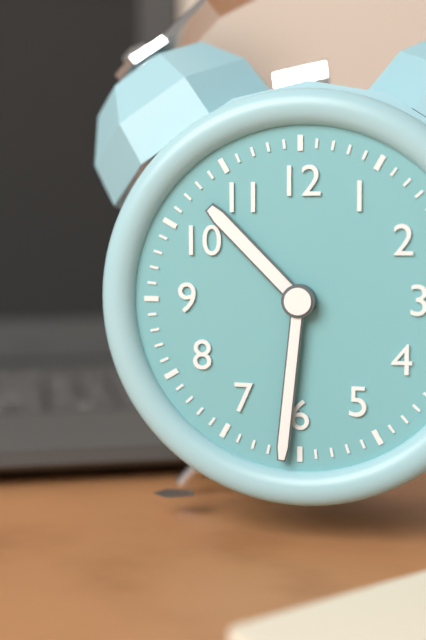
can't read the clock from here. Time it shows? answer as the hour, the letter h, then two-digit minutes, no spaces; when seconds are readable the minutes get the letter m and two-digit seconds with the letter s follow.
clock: 10h31
